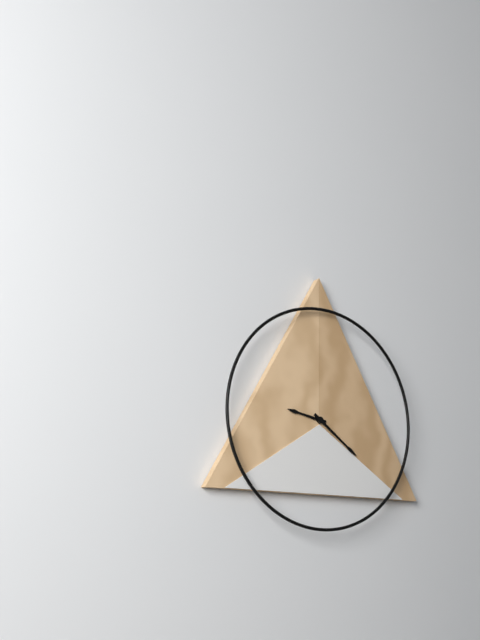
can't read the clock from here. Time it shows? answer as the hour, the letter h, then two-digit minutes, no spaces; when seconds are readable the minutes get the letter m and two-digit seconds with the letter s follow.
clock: 9h21
